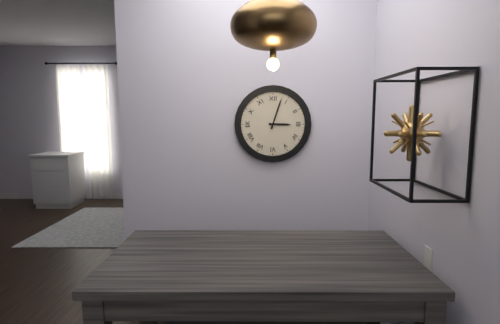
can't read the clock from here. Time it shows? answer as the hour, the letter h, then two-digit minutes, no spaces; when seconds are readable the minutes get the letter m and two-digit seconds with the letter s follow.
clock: 3h03
